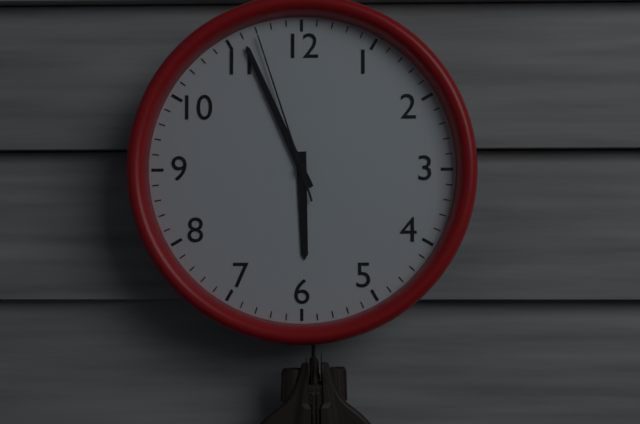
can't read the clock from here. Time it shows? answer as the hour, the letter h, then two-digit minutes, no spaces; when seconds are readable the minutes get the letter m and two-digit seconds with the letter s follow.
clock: 5h56m57s
